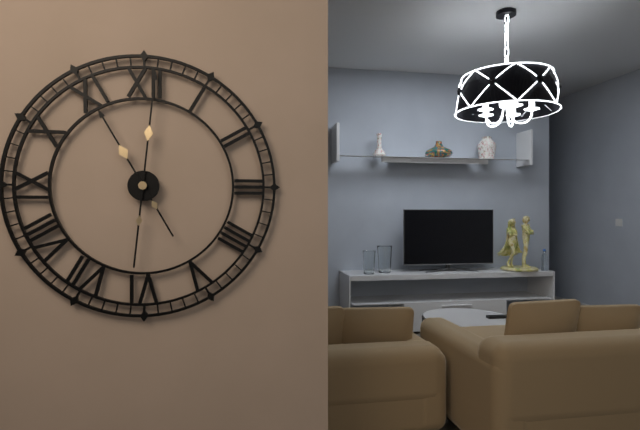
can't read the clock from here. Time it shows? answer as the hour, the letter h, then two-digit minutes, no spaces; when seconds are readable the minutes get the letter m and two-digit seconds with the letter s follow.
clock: 11h01
